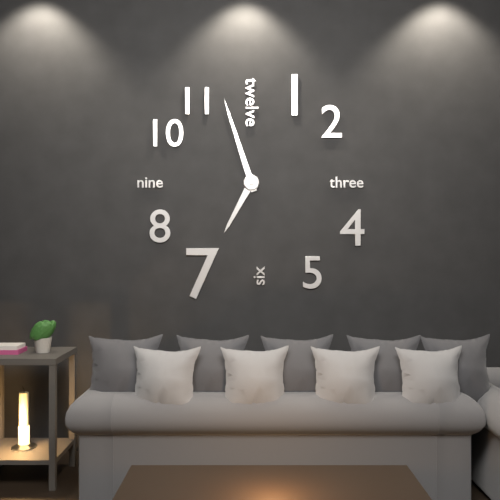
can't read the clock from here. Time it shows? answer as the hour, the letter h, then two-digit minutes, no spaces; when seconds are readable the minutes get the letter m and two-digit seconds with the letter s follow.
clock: 6h57
